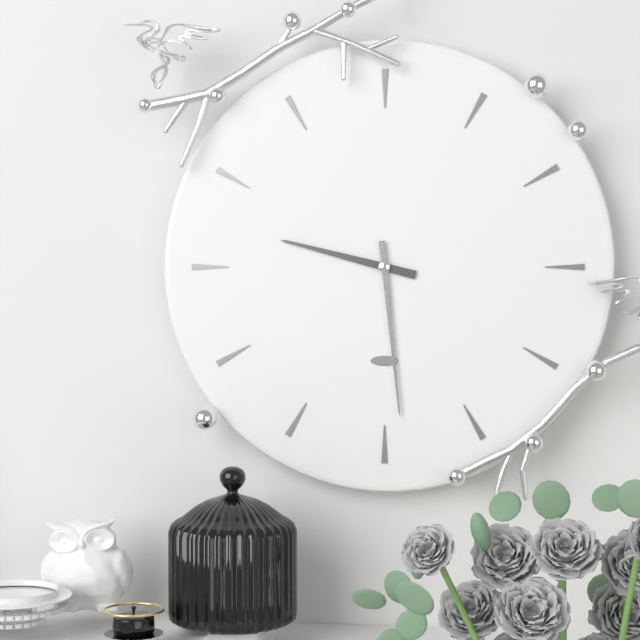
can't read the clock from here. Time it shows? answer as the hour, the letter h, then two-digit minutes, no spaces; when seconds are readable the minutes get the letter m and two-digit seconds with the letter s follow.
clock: 9h29
